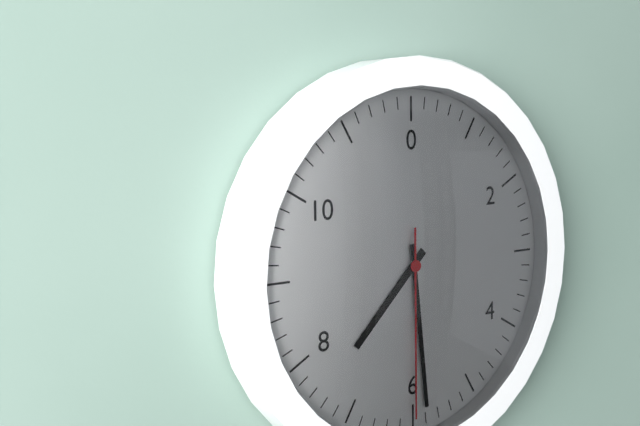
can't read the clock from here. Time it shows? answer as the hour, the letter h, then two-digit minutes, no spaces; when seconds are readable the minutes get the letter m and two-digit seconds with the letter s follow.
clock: 7h29m30s
